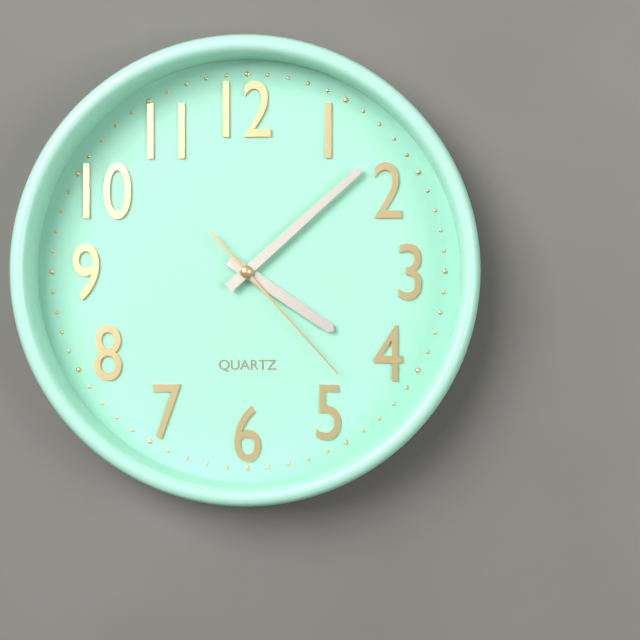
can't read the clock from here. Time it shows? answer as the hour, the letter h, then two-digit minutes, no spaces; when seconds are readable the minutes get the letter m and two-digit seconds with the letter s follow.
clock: 4h08m23s
